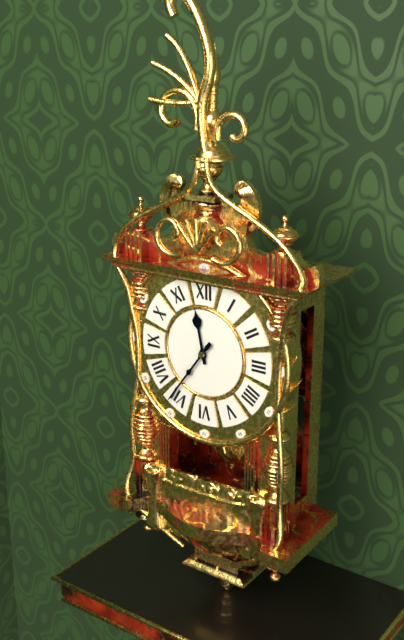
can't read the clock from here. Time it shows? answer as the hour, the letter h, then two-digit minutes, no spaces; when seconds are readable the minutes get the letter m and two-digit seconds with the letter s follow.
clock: 11h36
